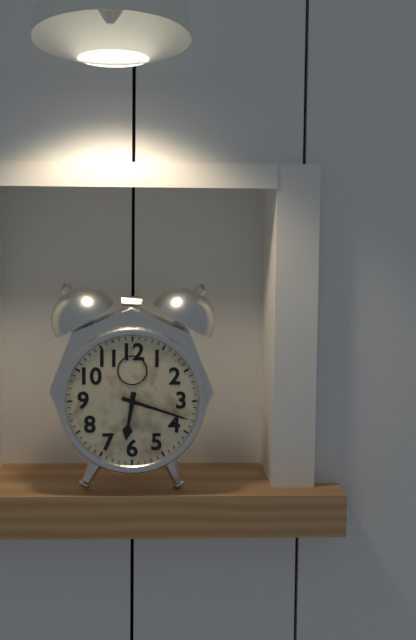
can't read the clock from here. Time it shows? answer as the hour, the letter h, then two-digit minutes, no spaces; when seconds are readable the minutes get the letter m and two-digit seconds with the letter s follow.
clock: 6h18
